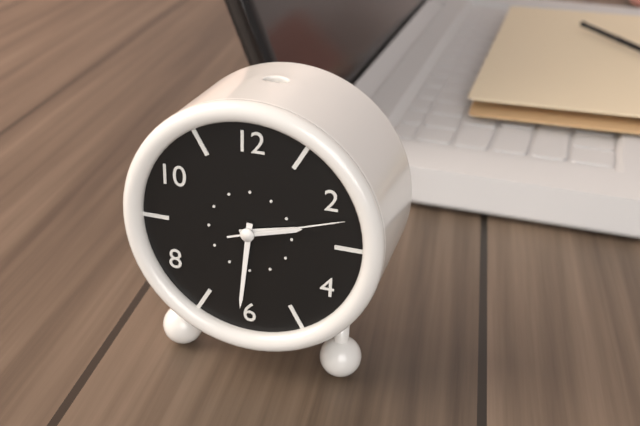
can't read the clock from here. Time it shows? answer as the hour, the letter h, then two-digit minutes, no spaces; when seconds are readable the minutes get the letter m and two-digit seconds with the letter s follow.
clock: 2h31m12s
